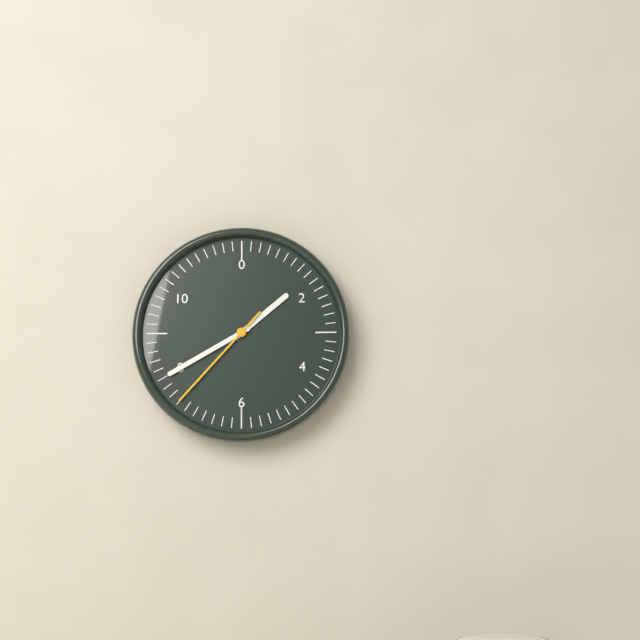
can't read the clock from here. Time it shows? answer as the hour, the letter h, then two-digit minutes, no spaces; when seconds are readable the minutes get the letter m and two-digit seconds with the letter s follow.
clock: 1h40m37s
